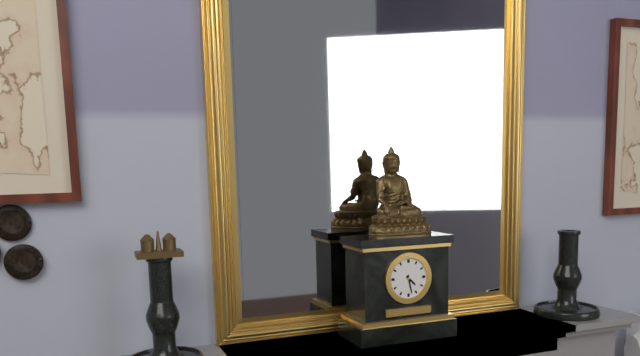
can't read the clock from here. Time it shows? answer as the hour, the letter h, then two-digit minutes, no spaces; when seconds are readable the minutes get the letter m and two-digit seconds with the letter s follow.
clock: 4h28
